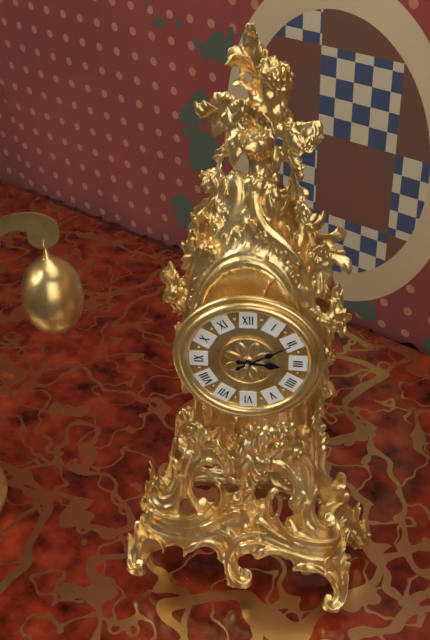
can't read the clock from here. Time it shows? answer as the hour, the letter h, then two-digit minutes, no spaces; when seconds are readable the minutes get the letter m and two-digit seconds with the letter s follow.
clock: 3h10
